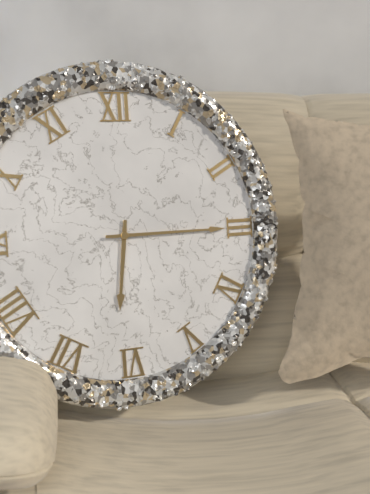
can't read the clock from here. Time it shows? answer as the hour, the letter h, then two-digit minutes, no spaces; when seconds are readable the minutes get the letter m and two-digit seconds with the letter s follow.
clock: 6h15
